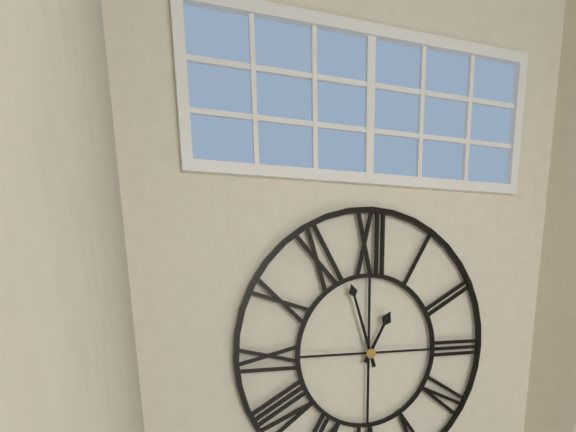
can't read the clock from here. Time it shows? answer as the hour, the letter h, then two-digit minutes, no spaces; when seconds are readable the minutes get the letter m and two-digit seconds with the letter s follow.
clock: 12h57
